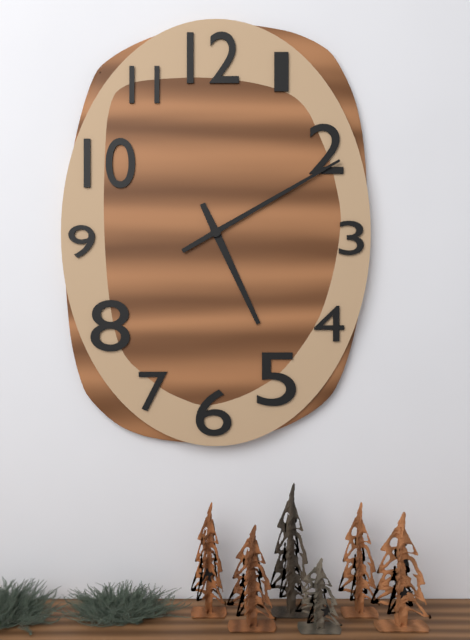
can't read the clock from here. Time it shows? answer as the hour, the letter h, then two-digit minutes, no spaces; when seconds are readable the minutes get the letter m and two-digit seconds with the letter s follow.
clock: 5h10
